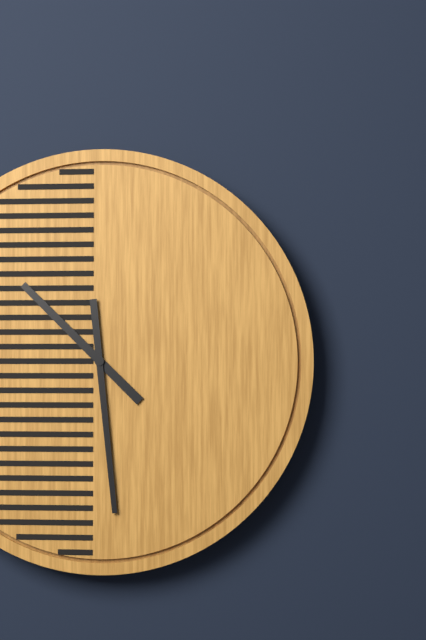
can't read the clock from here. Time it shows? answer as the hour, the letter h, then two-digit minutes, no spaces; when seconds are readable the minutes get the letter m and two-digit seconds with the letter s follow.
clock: 10h29
